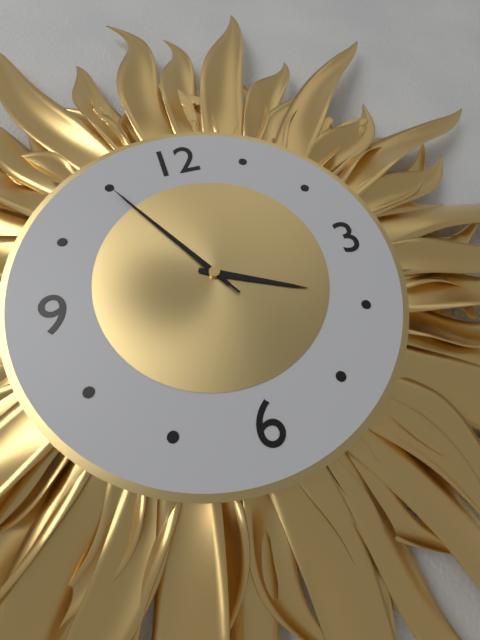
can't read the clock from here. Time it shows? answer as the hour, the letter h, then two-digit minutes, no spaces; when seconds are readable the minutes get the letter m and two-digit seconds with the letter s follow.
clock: 3h55m55s
